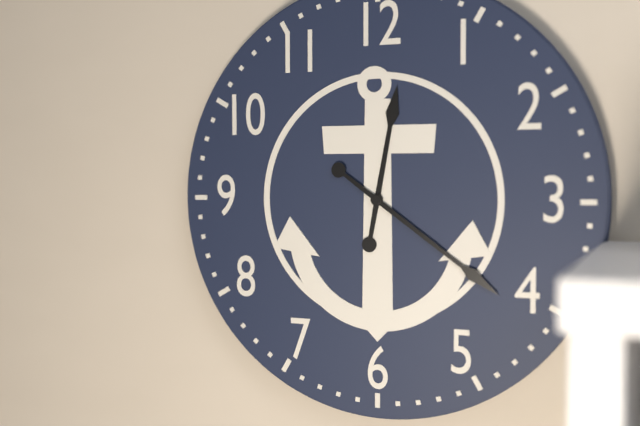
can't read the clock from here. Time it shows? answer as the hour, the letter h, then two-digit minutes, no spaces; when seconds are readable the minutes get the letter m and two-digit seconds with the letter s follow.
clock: 12h21
